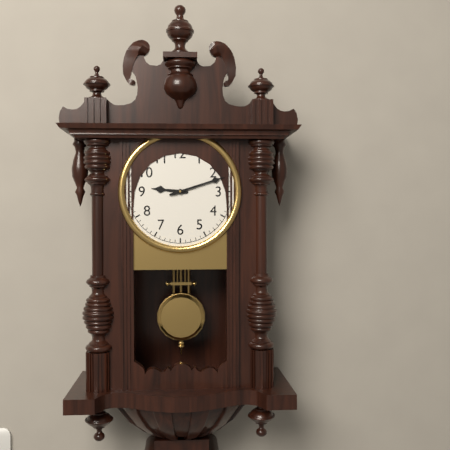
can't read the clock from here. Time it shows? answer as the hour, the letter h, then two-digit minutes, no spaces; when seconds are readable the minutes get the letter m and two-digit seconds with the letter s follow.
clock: 9h12
